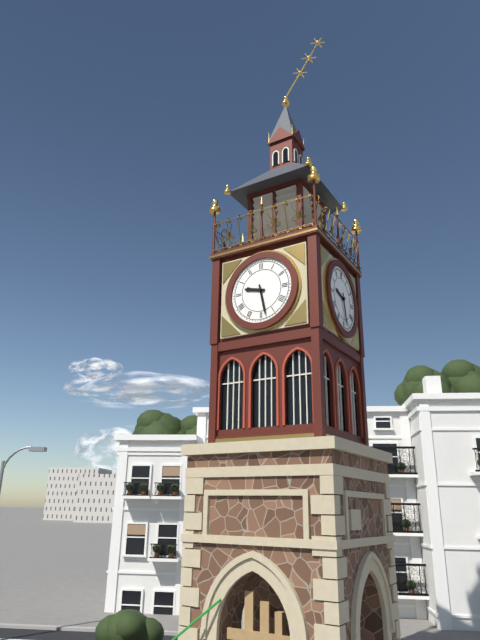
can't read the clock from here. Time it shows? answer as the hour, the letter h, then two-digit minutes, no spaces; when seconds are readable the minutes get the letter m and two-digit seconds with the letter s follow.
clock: 9h28
